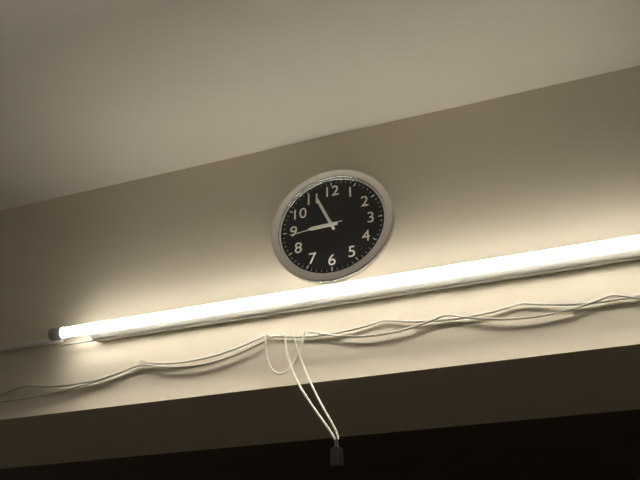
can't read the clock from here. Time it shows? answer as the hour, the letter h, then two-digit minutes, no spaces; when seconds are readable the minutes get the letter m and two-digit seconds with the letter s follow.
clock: 8h56m44s
